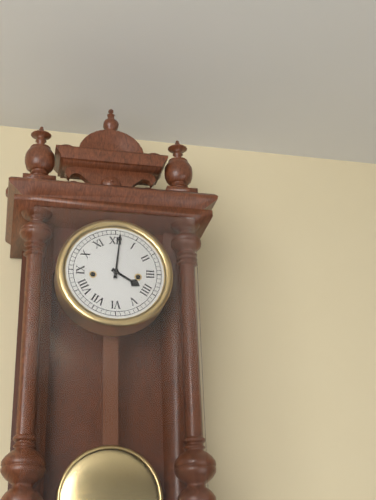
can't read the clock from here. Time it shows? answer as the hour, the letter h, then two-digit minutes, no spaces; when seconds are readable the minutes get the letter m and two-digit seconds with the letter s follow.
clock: 4h01
